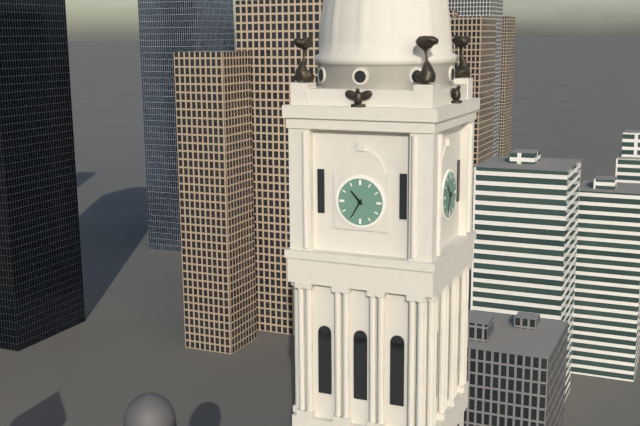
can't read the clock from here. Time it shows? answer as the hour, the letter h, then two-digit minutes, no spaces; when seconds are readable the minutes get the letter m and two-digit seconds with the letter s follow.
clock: 10h35
